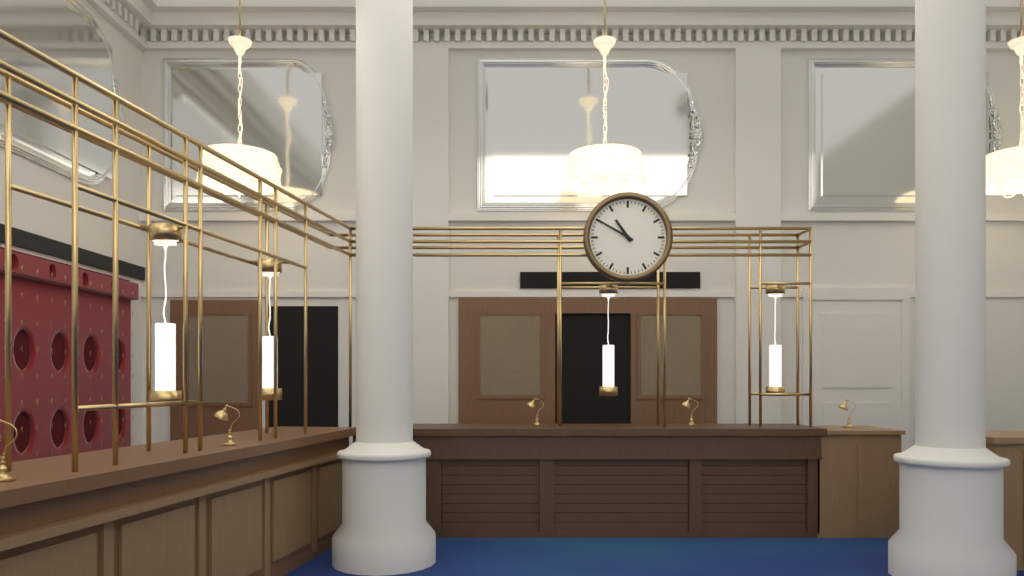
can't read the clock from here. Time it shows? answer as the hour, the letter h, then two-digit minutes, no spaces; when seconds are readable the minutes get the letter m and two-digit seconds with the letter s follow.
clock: 10h50
